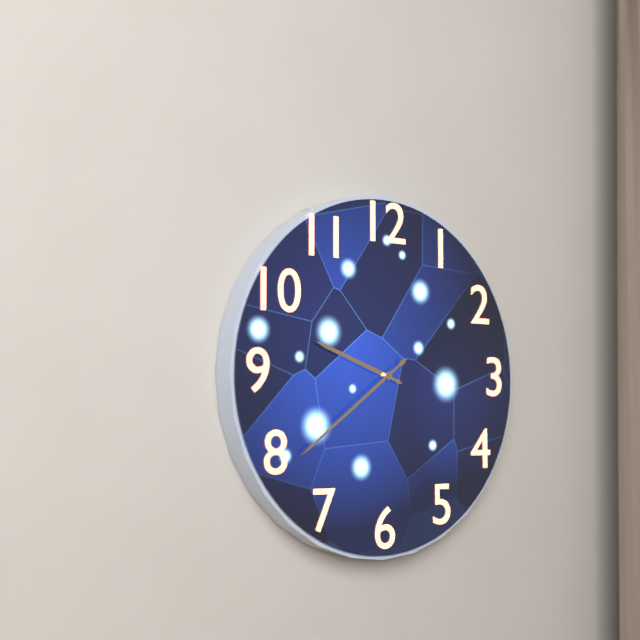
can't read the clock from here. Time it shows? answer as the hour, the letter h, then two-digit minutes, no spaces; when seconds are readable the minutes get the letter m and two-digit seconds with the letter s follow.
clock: 9h39
